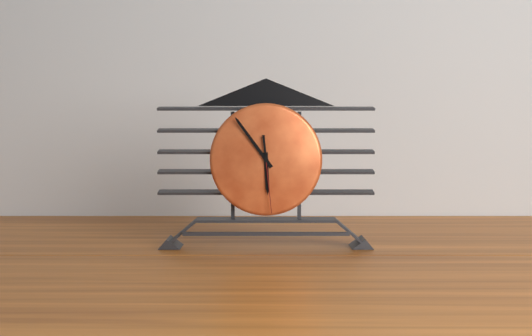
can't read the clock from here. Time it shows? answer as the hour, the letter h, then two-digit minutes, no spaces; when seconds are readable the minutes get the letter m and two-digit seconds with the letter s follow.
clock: 5h54m29s
